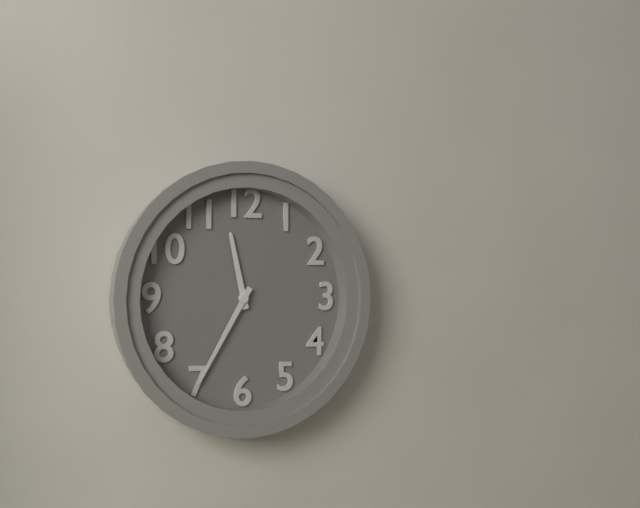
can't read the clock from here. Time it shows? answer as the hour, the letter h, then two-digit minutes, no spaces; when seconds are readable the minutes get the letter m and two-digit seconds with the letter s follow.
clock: 11h35
